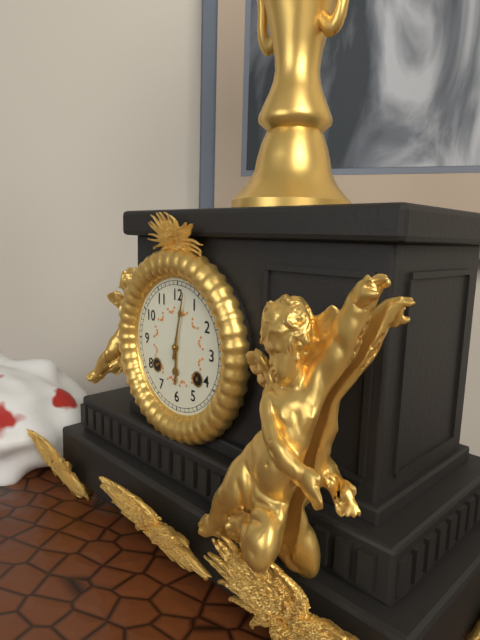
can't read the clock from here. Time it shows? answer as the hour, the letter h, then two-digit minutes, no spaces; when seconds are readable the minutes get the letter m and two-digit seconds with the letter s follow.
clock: 6h02
